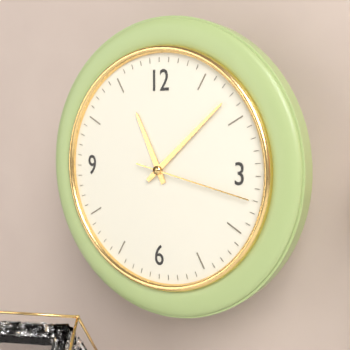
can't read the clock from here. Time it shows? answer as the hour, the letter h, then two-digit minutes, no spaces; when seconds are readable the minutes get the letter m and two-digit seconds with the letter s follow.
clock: 11h08m17s
